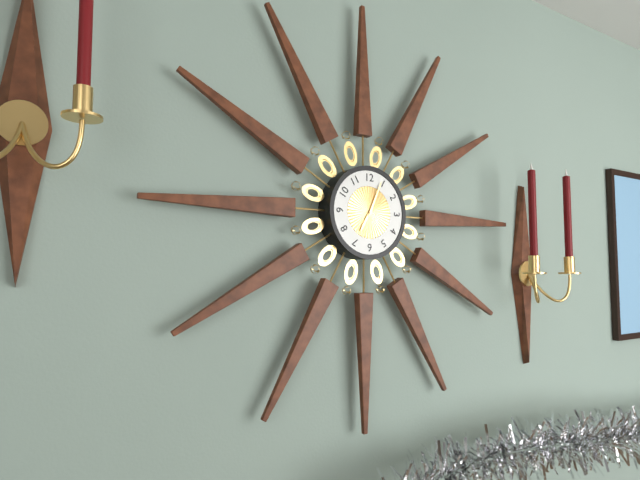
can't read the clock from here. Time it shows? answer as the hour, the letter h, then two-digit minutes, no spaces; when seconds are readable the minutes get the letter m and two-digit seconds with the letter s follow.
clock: 7h04
